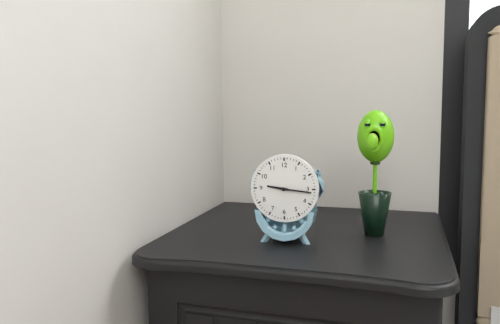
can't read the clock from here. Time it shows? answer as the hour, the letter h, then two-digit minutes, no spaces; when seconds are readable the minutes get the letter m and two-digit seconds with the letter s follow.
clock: 9h16
